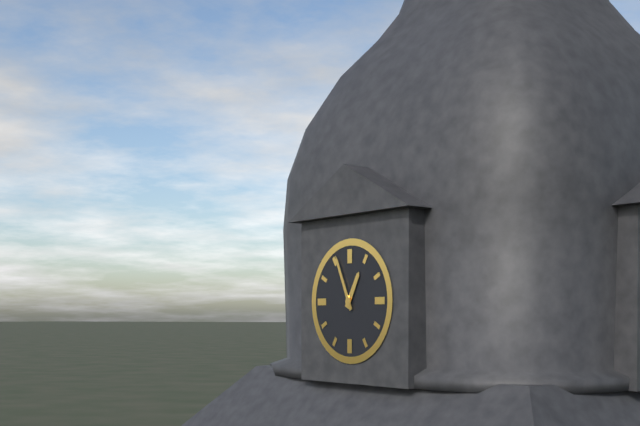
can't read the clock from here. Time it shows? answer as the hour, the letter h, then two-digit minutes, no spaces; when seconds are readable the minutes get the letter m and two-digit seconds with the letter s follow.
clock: 12h56
